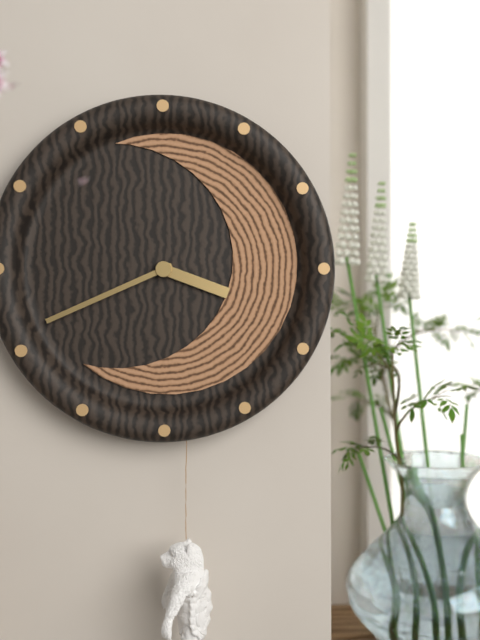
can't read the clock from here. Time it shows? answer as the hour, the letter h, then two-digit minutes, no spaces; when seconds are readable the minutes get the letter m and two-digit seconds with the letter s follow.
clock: 3h41
